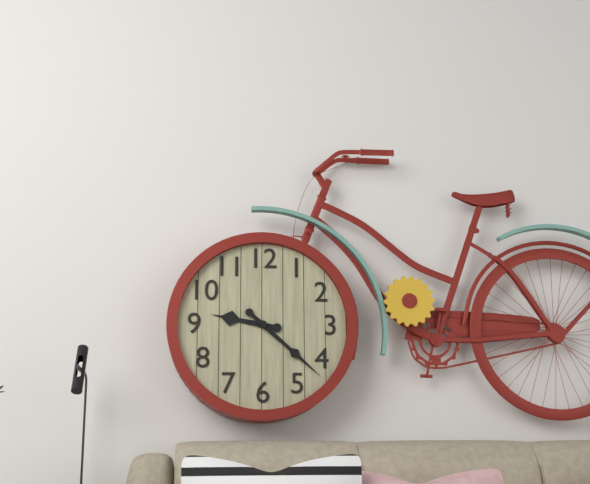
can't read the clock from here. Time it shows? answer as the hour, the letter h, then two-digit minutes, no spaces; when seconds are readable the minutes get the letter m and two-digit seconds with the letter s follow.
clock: 9h22
